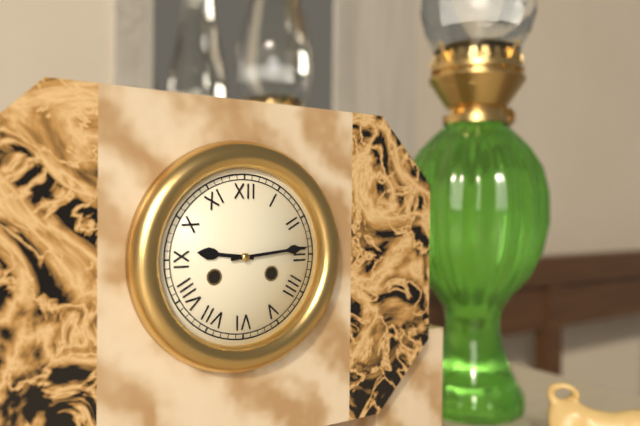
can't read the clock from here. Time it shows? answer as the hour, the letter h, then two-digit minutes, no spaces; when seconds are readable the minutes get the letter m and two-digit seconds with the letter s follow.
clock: 9h14
